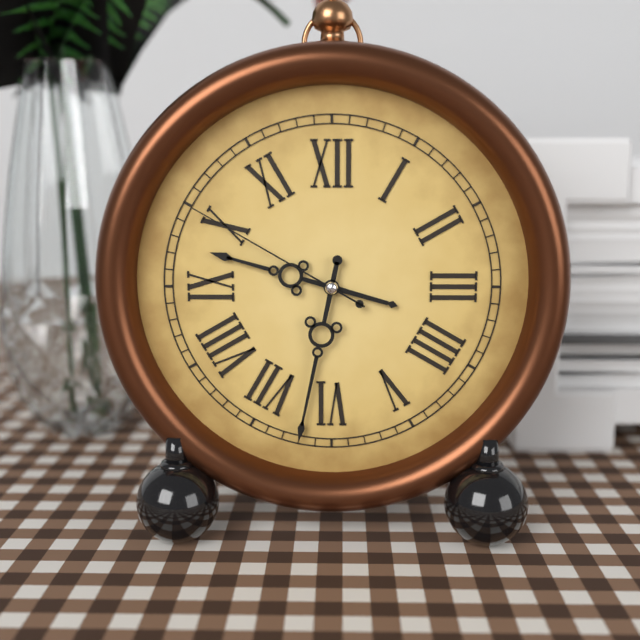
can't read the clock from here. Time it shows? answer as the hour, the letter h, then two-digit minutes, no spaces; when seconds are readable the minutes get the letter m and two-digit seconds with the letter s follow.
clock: 9h32m50s
